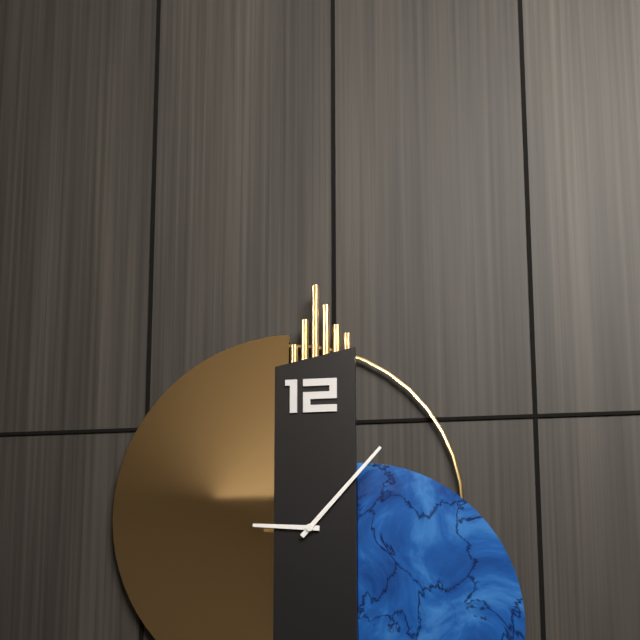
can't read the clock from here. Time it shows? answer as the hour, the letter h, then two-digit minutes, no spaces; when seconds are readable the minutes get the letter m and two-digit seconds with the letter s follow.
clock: 9h07
